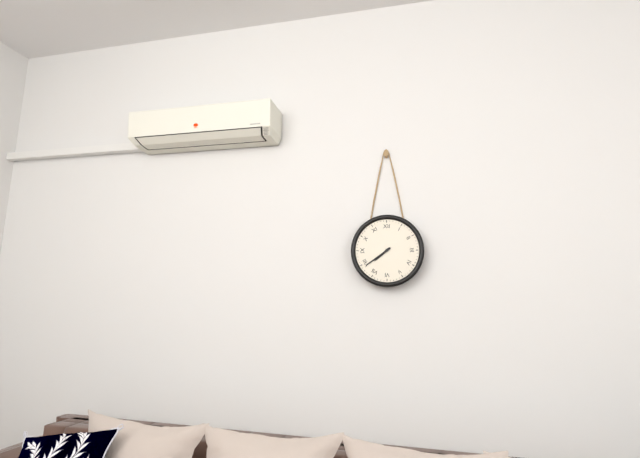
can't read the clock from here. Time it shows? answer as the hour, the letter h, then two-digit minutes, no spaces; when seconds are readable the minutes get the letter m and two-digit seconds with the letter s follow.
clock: 7h39
